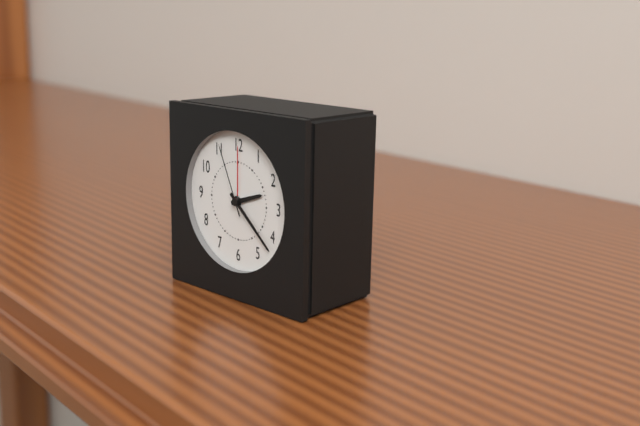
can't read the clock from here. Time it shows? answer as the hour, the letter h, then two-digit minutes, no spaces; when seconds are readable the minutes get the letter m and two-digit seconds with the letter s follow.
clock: 2h22m56s
